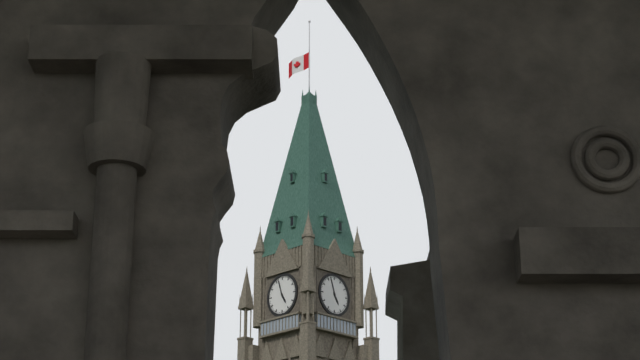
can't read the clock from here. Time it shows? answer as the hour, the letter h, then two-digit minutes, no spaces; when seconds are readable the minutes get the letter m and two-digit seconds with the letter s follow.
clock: 4h57
